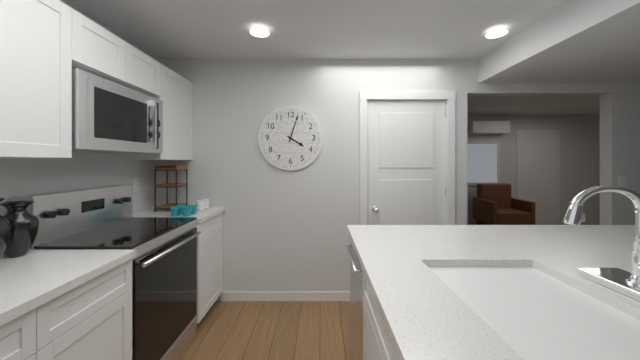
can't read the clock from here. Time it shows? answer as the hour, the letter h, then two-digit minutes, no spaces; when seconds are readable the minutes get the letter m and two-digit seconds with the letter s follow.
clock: 4h03
